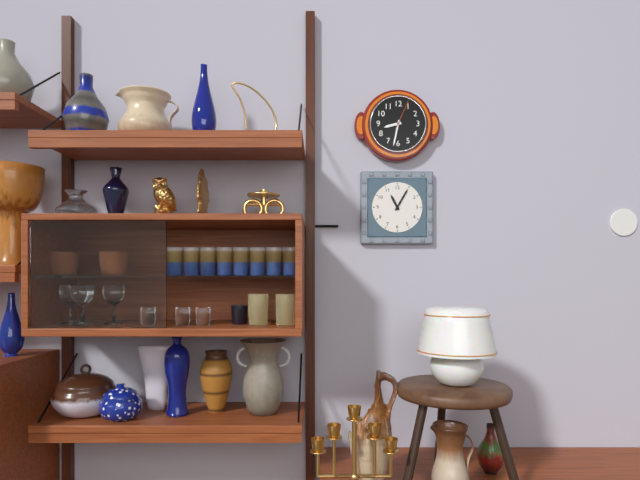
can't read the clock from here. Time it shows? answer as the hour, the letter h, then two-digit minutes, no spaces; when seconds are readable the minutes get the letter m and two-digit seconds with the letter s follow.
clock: 8h32
